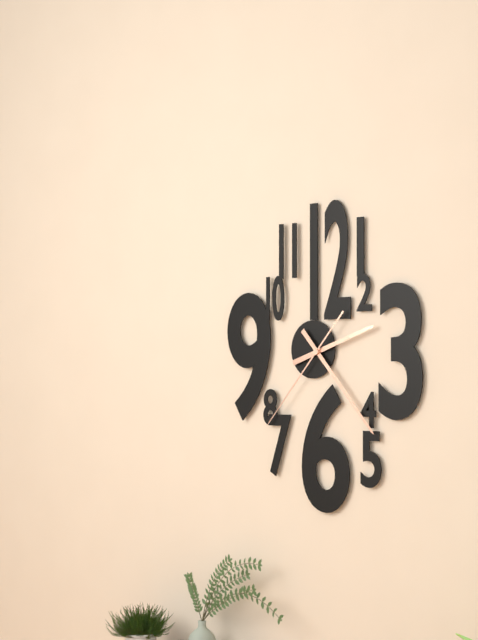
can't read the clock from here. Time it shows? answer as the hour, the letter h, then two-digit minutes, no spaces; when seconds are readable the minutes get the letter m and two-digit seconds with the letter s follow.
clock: 2h23m37s
